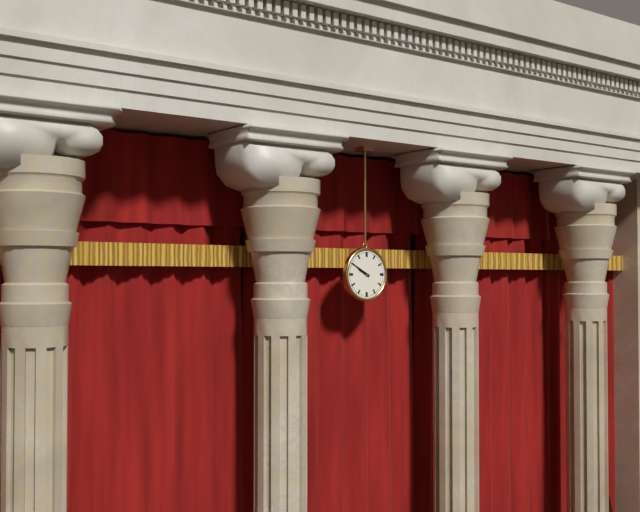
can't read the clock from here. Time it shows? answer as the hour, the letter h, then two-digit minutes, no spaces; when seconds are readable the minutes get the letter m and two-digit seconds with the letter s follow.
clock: 9h50
